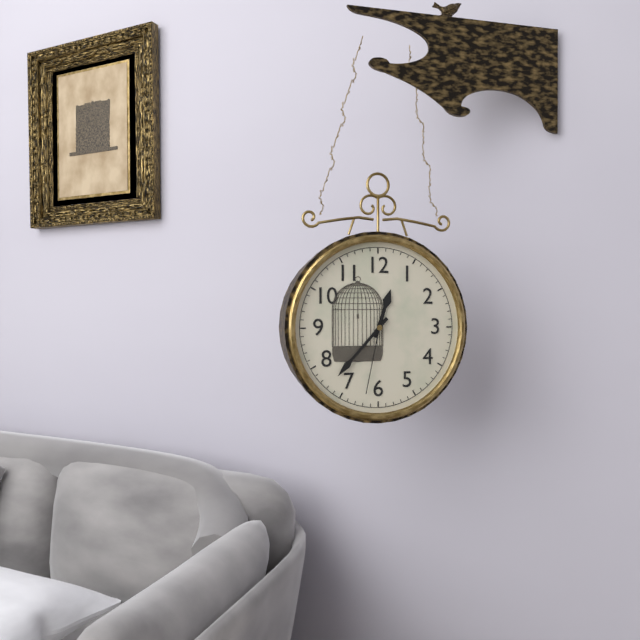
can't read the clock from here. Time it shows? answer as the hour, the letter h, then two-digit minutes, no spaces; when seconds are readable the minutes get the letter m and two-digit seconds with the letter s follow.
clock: 12h37m32s
